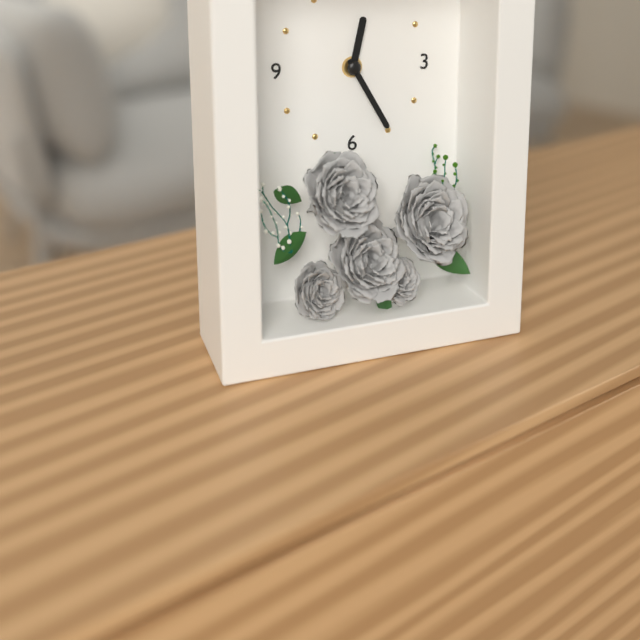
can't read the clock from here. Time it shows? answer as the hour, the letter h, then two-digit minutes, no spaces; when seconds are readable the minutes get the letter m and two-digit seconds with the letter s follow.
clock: 12h25
